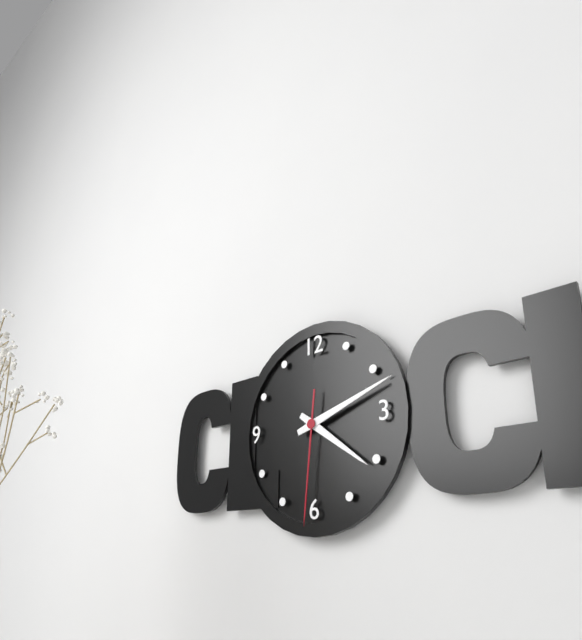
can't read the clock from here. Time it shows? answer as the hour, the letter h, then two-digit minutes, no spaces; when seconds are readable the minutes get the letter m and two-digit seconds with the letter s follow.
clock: 4h12m31s
